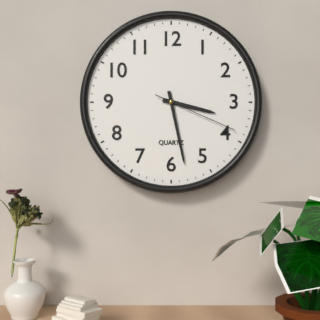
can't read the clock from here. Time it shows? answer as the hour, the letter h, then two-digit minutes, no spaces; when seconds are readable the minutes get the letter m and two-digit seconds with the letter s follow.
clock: 3h28m19s
